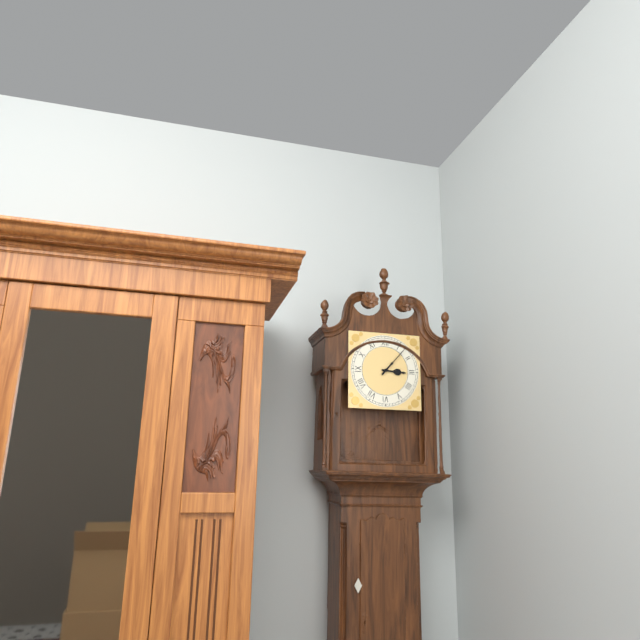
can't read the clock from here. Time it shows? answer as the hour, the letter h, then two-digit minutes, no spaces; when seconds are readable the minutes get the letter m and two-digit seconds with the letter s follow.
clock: 3h07
